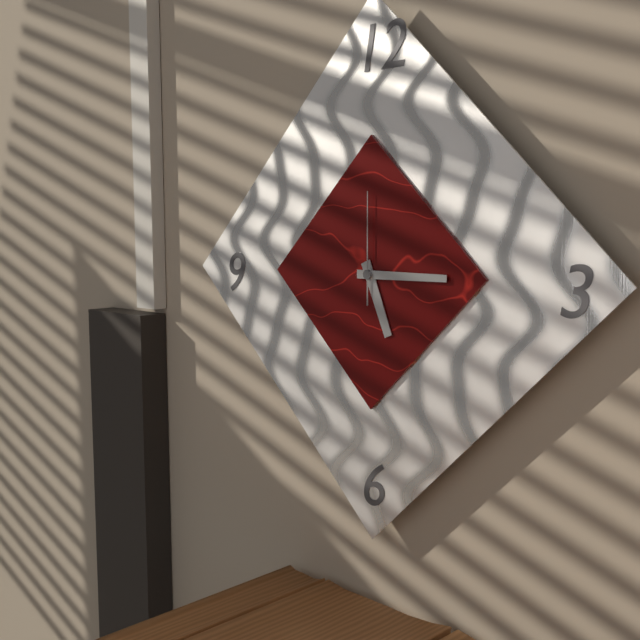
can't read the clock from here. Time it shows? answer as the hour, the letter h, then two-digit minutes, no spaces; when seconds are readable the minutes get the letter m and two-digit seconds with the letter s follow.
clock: 5h15m00s
